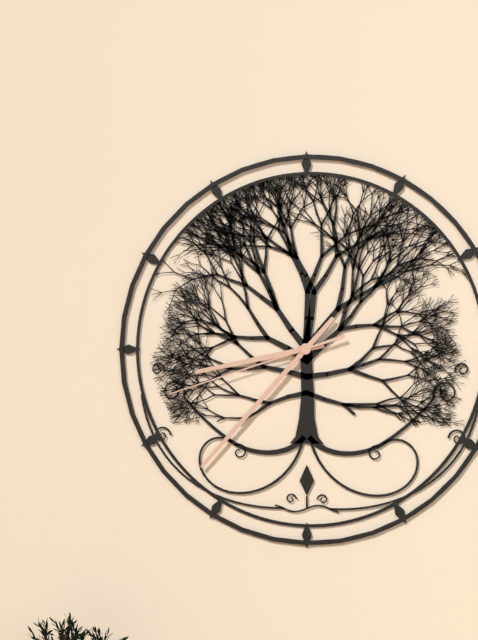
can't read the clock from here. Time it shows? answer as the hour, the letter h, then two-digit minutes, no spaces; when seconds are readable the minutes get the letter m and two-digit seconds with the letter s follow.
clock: 8h37m42s
